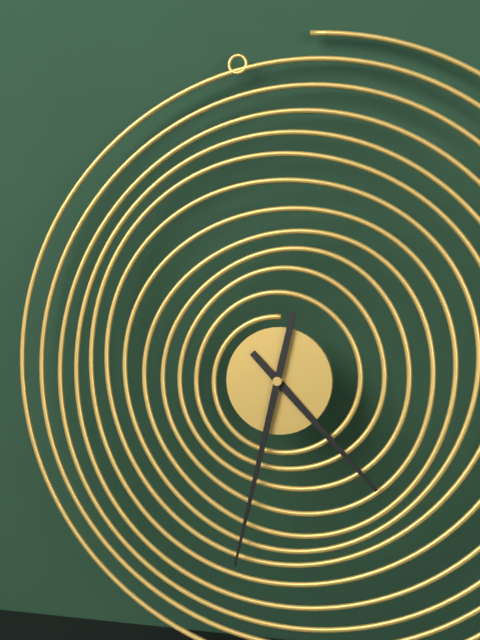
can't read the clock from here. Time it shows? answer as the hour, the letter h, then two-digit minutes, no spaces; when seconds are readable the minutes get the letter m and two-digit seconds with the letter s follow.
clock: 4h32
